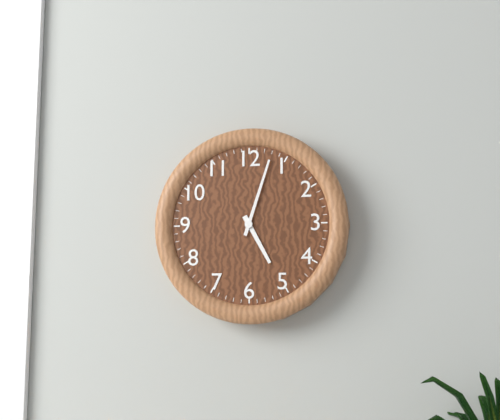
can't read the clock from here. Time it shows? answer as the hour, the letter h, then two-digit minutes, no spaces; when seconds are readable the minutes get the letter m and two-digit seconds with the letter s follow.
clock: 5h03
